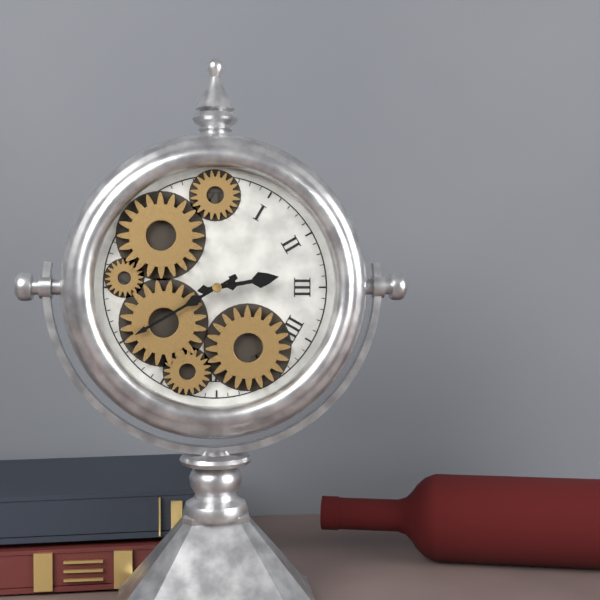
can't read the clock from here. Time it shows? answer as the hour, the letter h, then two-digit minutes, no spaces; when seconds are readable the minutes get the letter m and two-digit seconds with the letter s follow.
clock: 2h40
